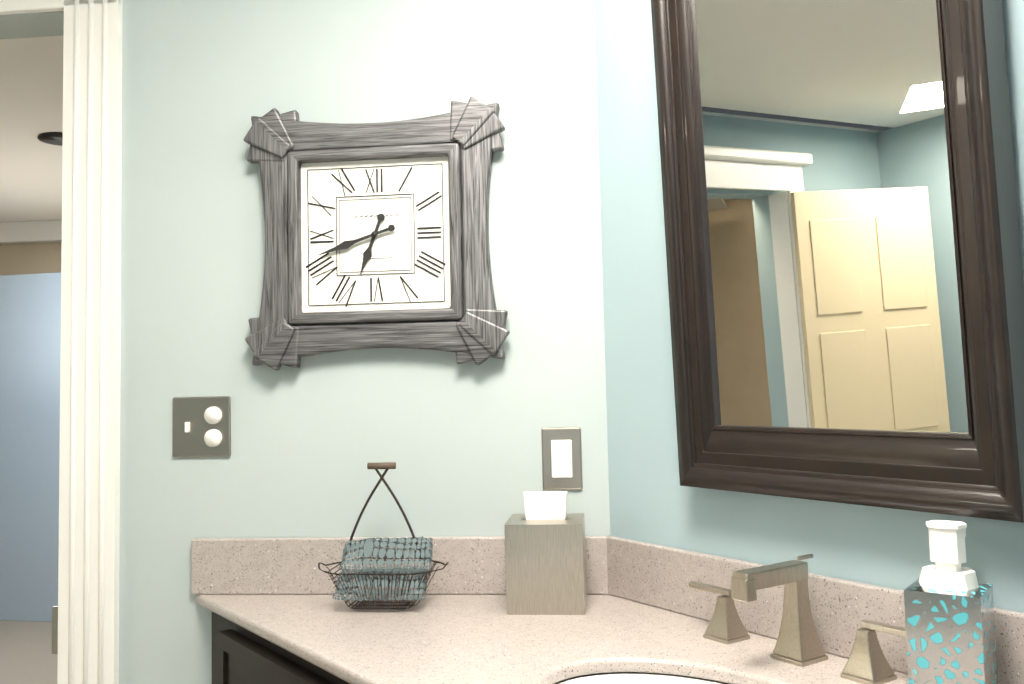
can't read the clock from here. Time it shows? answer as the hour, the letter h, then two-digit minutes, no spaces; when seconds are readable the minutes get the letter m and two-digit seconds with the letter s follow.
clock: 6h42
